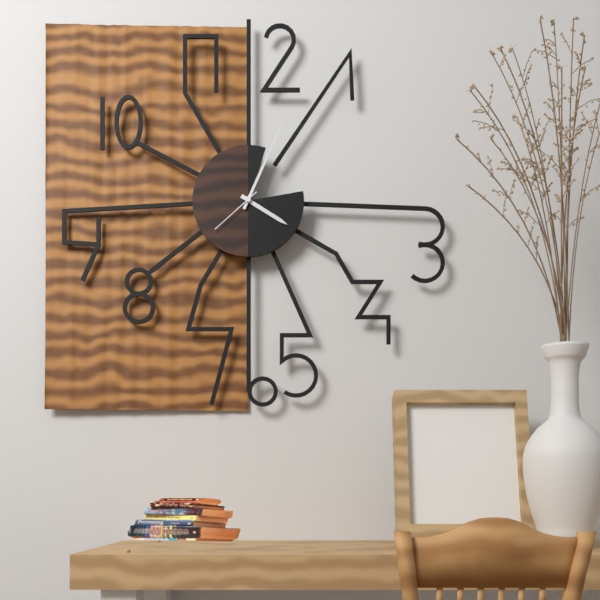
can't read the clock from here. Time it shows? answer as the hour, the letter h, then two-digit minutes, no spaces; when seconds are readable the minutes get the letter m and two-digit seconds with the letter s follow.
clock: 4h04m38s
